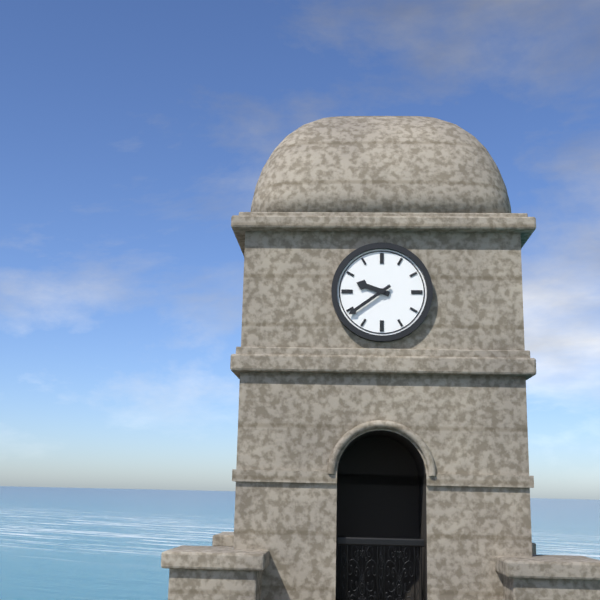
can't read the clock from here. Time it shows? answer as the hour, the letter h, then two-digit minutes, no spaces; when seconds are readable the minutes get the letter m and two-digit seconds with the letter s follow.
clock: 9h39
